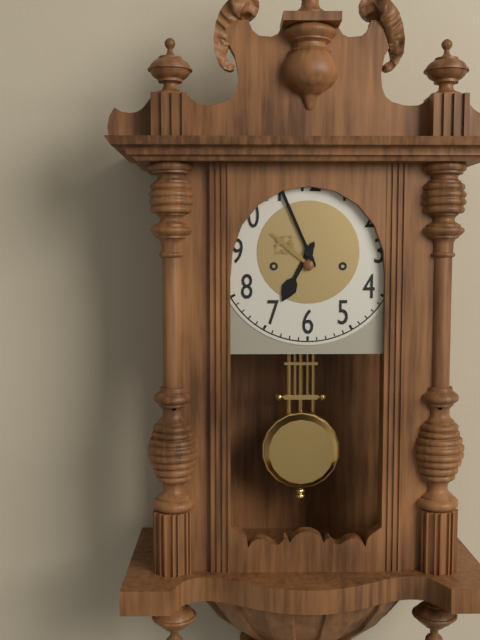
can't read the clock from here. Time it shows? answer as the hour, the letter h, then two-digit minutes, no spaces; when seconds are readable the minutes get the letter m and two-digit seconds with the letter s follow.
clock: 6h56
